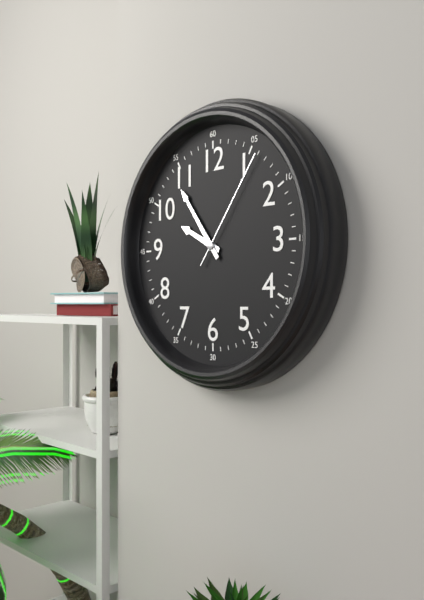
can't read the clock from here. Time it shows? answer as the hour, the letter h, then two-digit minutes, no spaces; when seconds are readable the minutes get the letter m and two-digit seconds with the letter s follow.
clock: 9h54m06s
